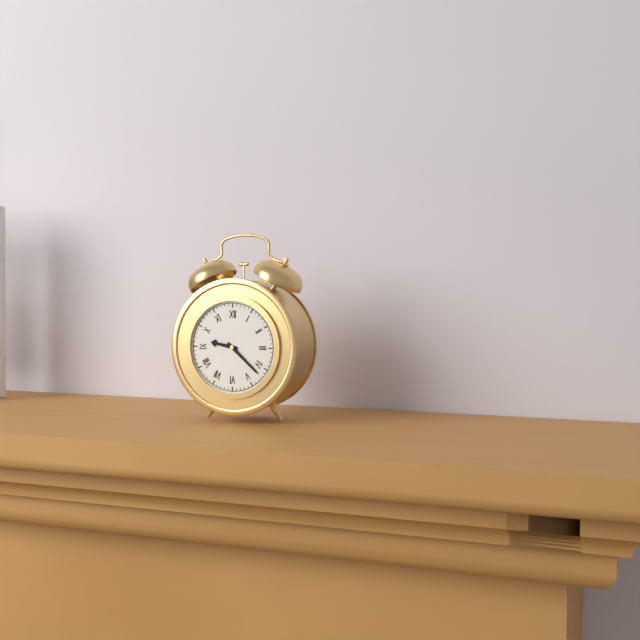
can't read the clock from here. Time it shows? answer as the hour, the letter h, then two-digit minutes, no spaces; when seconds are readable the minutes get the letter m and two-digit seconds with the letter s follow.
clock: 9h22
